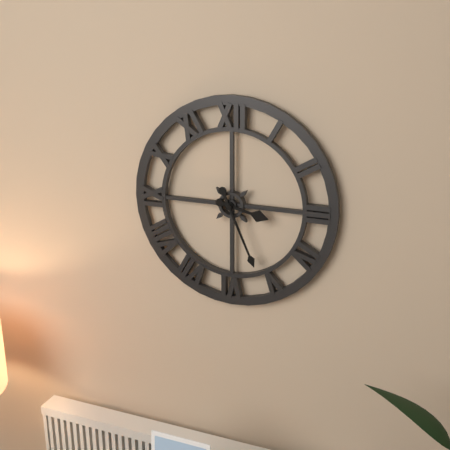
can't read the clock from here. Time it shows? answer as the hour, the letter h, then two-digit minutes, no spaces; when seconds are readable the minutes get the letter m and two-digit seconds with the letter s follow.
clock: 3h26
